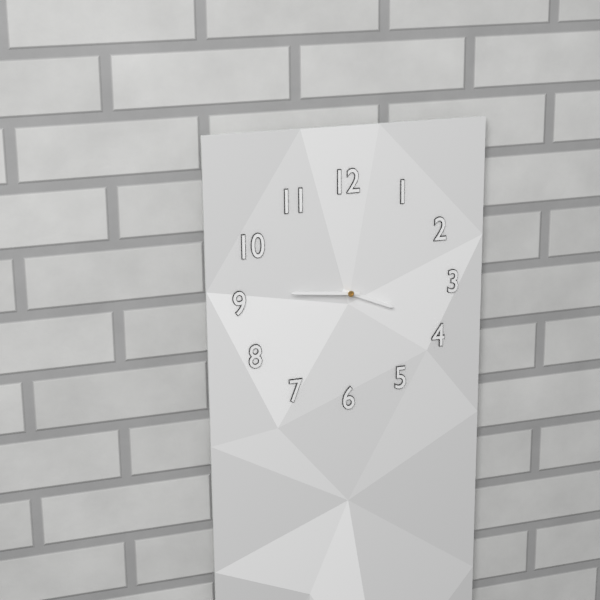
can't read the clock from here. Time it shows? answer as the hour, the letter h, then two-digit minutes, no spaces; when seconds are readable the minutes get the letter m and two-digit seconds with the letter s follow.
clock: 3h46
